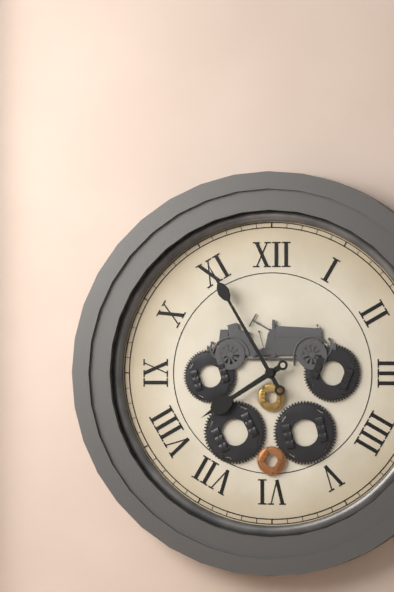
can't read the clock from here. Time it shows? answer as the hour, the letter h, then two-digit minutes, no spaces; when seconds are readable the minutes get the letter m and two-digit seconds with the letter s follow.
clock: 7h55
